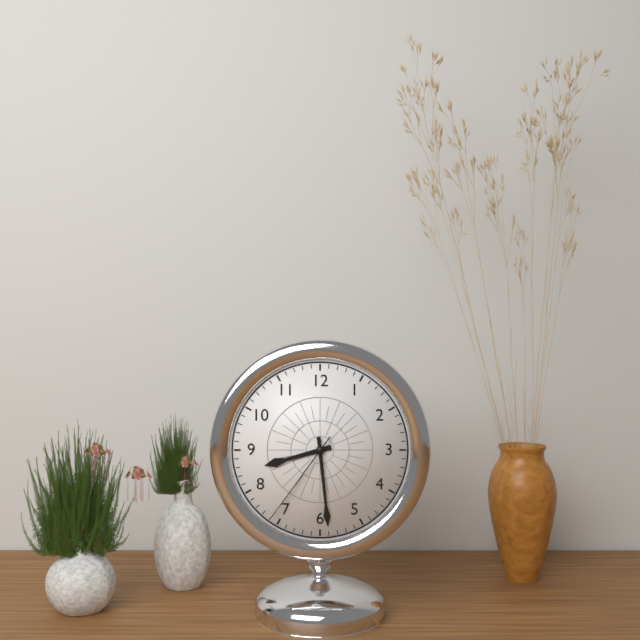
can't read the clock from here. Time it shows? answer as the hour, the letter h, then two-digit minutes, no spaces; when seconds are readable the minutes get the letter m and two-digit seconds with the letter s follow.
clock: 8h29m36s
